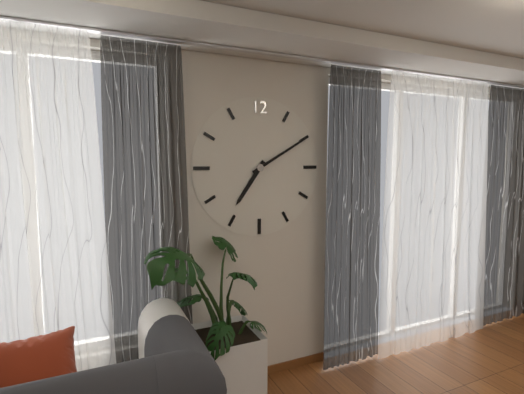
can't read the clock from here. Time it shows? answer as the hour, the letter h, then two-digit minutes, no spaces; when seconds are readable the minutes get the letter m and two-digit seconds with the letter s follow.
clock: 7h10
